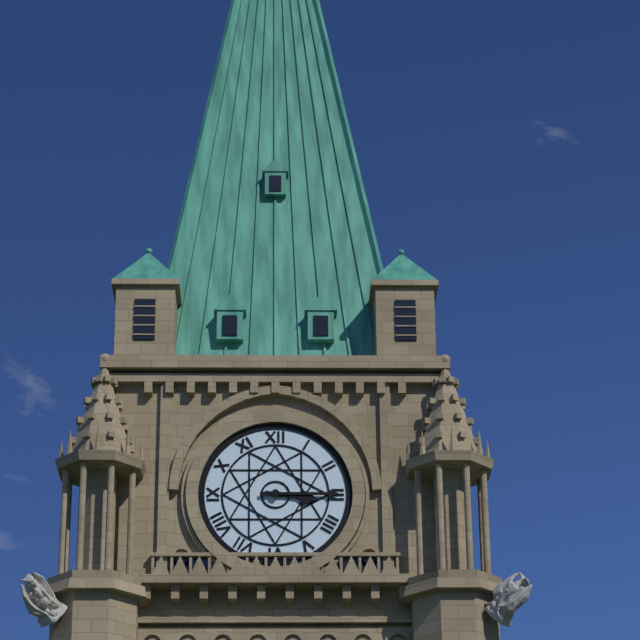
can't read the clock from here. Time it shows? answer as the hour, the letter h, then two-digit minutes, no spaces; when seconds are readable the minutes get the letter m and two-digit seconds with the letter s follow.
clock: 3h15
